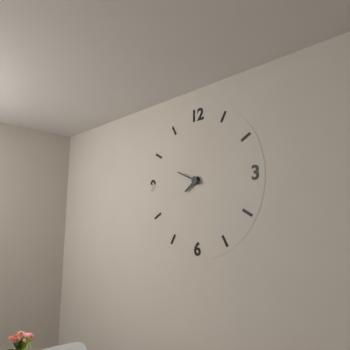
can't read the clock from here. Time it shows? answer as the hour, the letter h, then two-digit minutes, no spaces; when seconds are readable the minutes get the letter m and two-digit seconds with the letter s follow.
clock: 7h49
